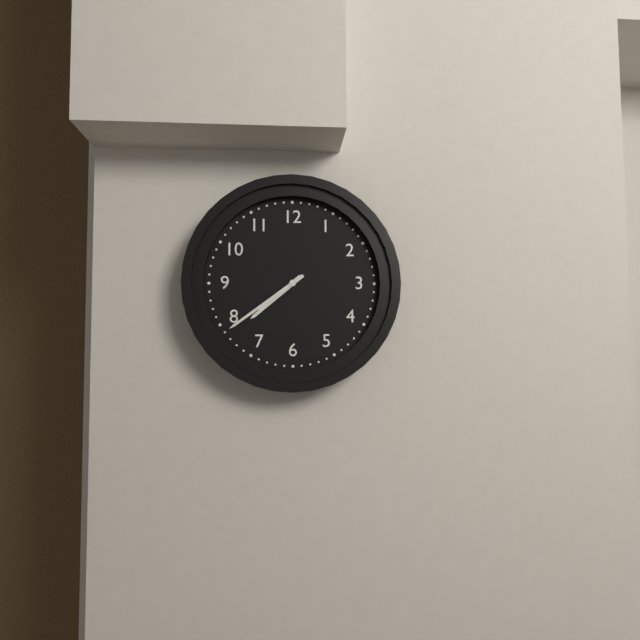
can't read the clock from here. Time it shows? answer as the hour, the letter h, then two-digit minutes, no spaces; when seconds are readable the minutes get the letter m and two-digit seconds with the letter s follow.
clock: 7h39
